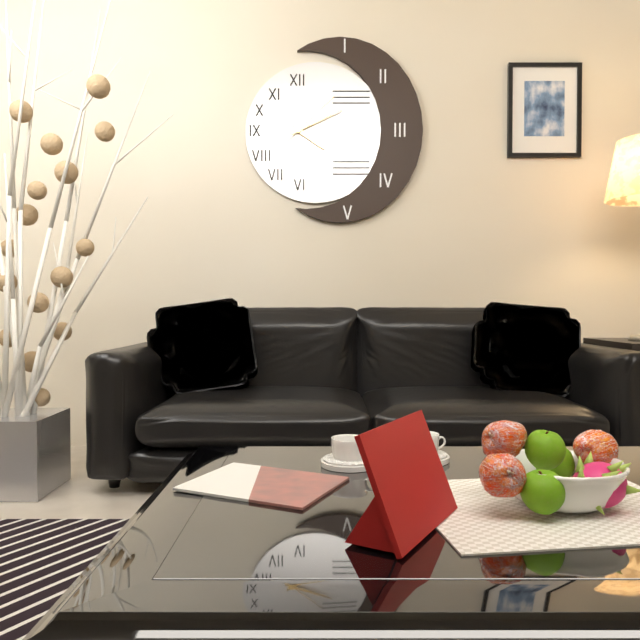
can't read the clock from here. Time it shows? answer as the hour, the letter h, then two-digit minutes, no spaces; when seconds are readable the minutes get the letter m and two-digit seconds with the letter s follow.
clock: 4h11m08s
